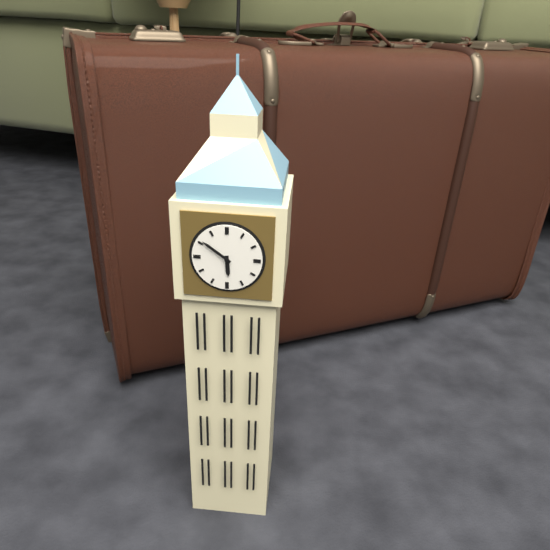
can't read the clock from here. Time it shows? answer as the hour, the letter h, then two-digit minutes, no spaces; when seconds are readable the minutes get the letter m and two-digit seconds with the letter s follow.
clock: 5h51
